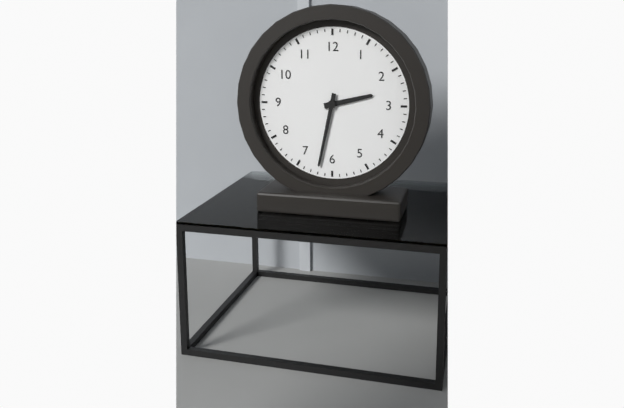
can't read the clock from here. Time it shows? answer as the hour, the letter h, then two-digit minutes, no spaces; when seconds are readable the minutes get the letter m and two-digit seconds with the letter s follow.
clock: 2h32
